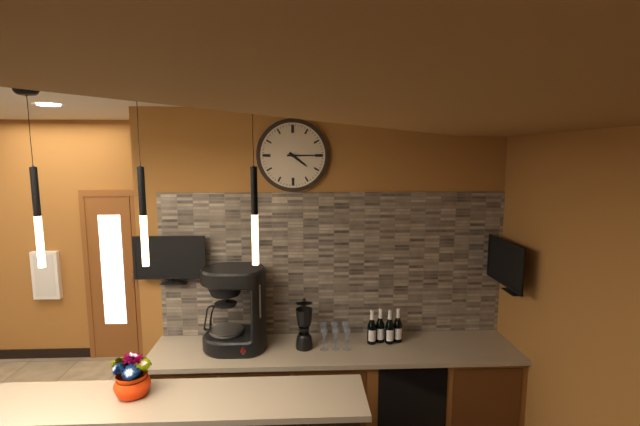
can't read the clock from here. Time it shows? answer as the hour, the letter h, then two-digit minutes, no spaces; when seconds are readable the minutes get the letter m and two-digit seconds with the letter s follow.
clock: 4h15
